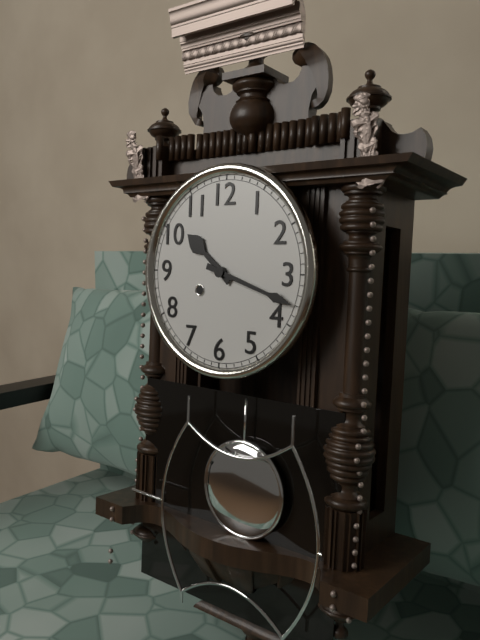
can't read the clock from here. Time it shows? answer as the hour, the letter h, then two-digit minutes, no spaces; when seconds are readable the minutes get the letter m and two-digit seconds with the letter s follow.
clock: 10h18
